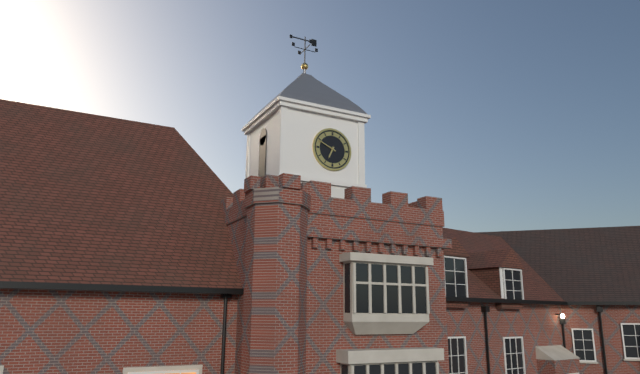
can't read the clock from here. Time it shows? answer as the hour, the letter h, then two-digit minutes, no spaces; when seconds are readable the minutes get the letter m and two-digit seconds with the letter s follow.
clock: 6h49
